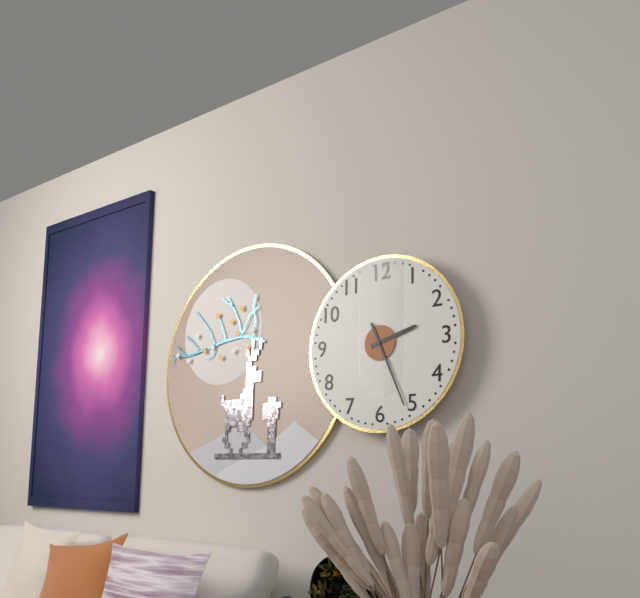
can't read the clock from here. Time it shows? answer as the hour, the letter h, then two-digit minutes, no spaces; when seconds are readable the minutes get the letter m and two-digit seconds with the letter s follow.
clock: 2h26
